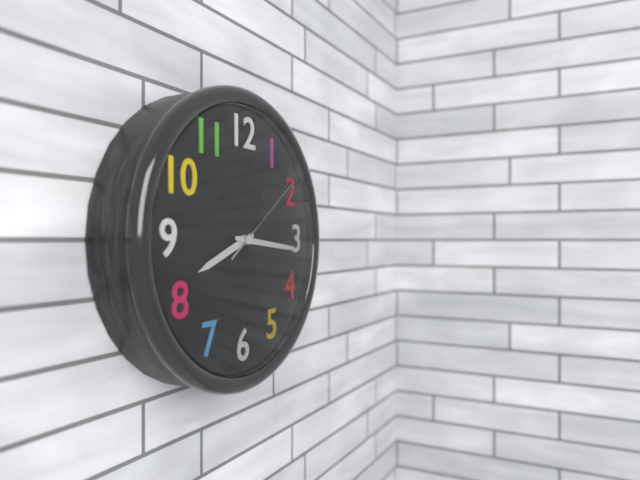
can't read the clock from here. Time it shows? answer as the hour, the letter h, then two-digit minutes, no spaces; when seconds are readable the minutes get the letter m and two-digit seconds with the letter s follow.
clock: 8h16m09s
